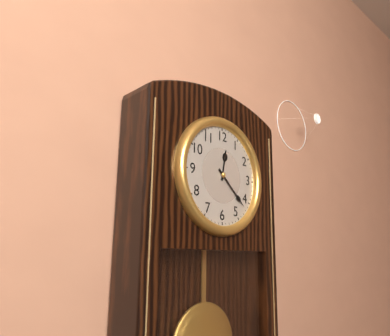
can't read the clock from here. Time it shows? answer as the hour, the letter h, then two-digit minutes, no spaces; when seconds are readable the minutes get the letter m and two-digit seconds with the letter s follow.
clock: 12h22
